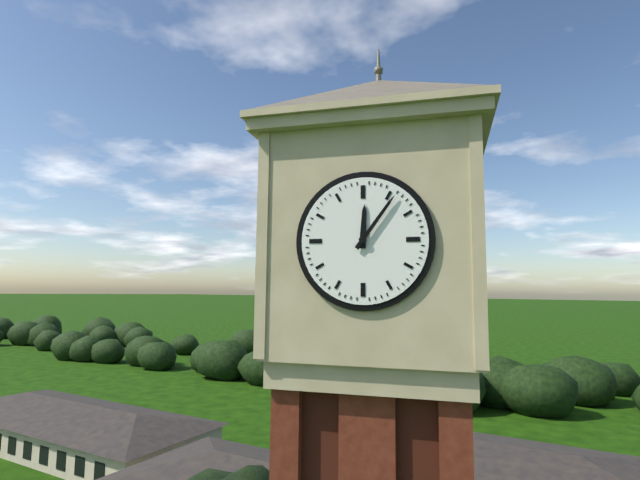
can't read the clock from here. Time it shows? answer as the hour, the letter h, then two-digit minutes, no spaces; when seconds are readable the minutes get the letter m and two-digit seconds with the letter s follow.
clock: 12h06
